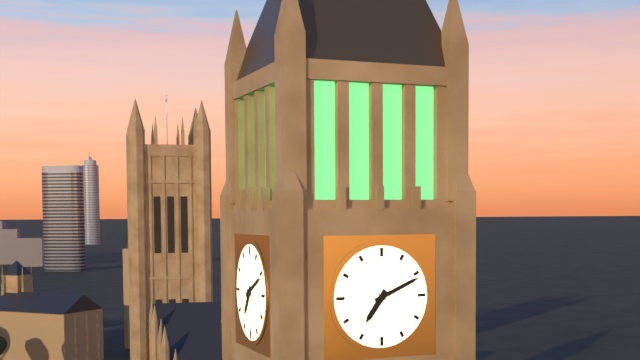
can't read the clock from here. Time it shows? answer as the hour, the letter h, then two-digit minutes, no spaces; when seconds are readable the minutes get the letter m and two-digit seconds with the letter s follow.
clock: 7h11
